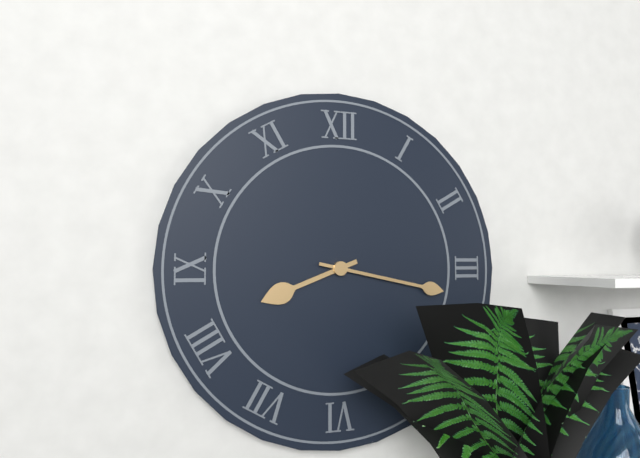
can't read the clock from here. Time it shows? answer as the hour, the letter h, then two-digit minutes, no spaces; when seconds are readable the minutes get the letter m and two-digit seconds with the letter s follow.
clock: 8h17
